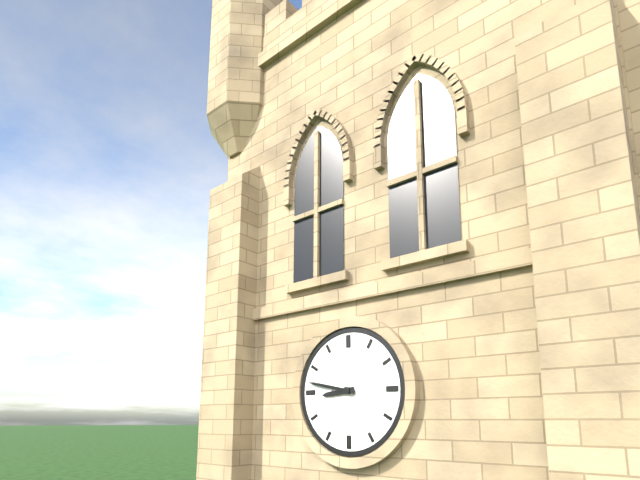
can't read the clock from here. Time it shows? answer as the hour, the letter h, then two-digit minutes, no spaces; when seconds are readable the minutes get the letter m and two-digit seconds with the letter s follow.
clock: 8h47
